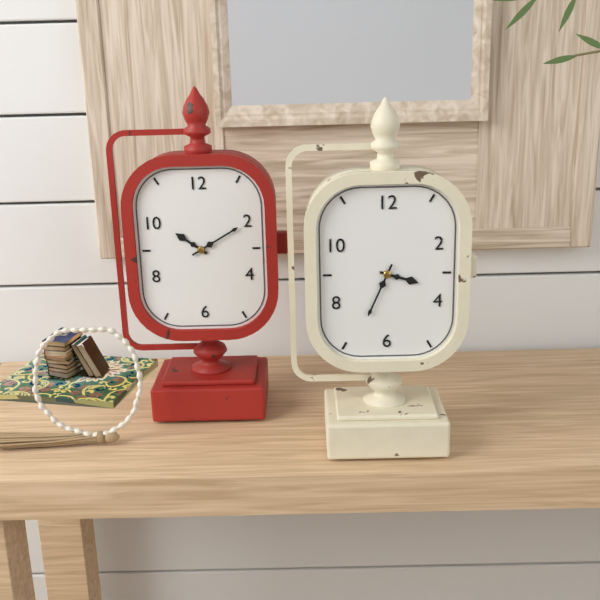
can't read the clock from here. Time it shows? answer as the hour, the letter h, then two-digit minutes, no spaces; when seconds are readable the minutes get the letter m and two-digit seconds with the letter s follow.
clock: 3h34
